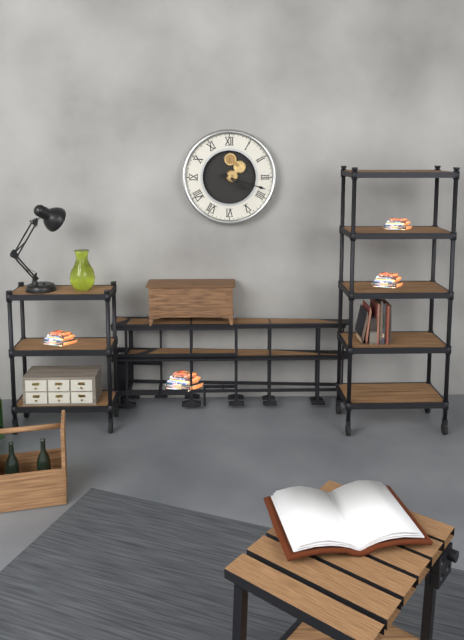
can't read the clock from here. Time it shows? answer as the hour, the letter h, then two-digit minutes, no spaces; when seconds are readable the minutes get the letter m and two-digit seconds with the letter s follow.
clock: 4h18
